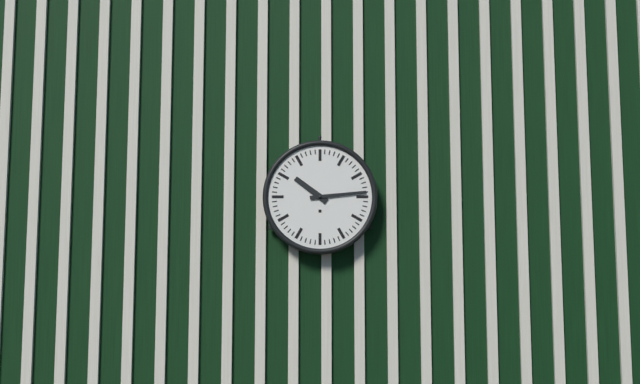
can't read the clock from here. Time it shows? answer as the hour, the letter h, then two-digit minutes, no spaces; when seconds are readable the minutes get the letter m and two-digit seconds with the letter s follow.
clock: 10h14
